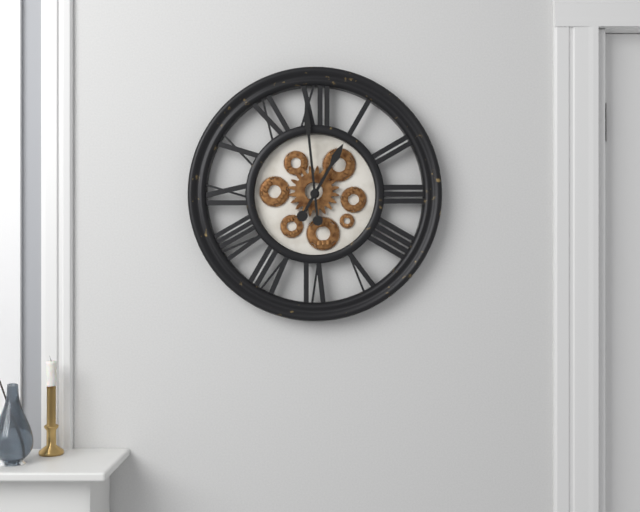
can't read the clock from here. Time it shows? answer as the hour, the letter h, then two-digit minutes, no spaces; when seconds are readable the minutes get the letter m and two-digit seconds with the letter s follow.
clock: 12h59
